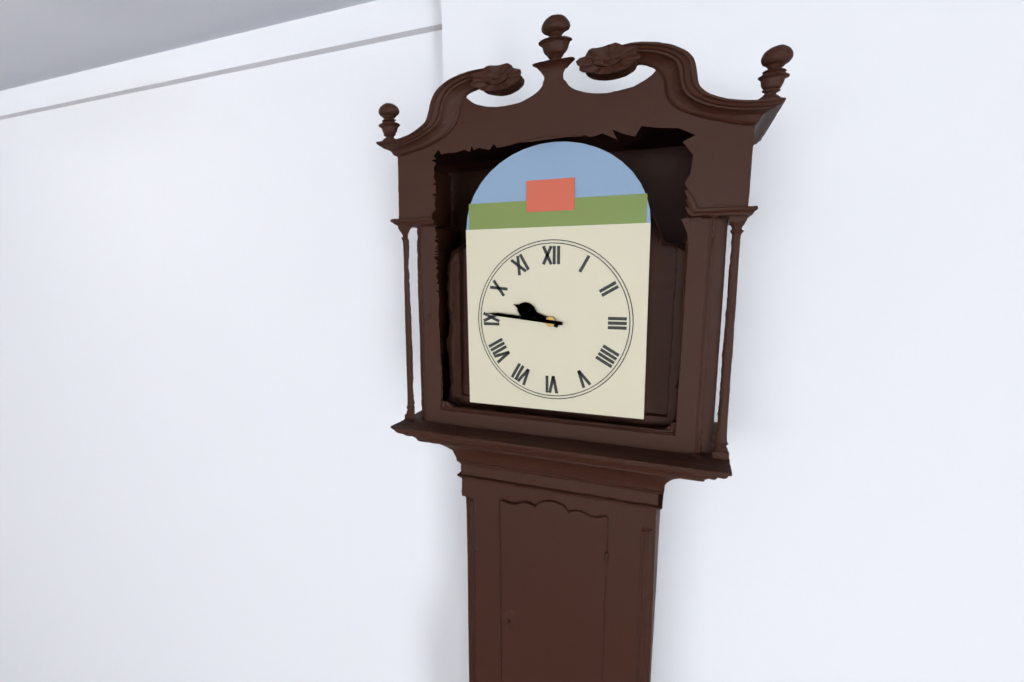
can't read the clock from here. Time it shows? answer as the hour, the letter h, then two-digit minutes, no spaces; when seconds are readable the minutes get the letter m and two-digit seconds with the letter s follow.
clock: 9h46
